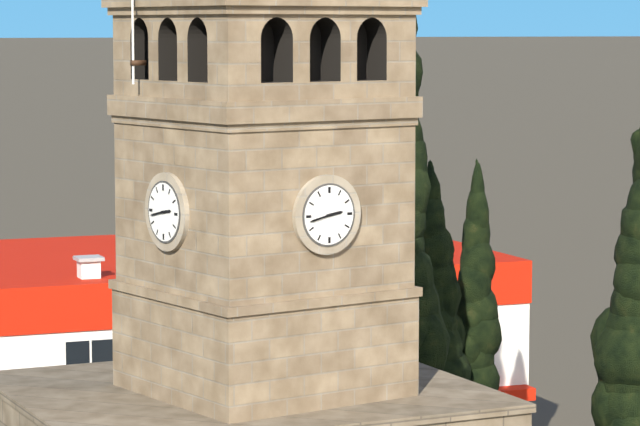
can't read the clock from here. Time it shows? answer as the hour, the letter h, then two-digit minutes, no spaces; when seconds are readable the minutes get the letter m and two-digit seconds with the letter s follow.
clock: 2h43
